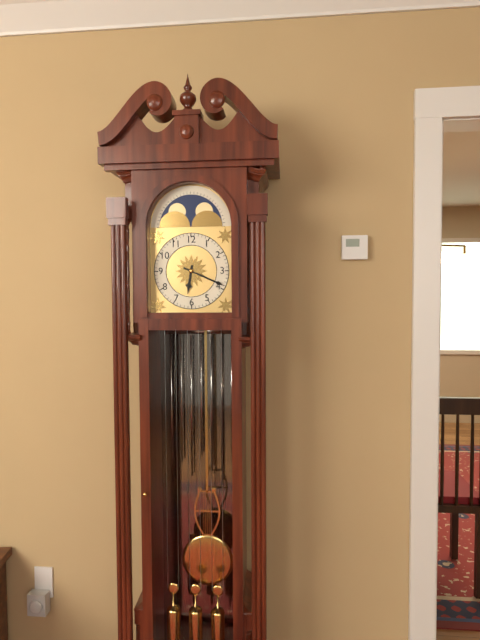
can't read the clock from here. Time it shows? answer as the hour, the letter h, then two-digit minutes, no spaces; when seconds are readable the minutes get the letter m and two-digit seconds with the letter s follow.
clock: 6h19
